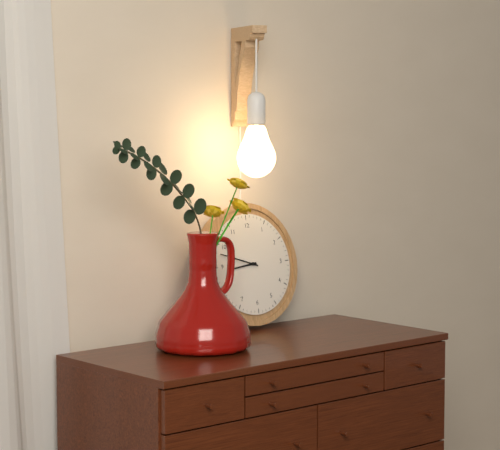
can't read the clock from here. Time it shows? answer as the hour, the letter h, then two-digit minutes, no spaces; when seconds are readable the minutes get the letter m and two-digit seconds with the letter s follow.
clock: 8h48
